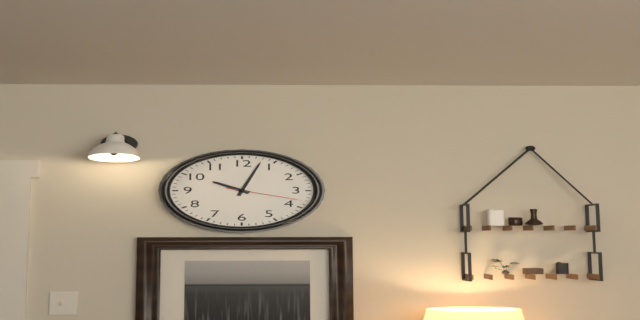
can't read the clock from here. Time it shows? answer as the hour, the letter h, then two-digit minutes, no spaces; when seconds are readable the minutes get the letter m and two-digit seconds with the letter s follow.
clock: 10h03m18s
